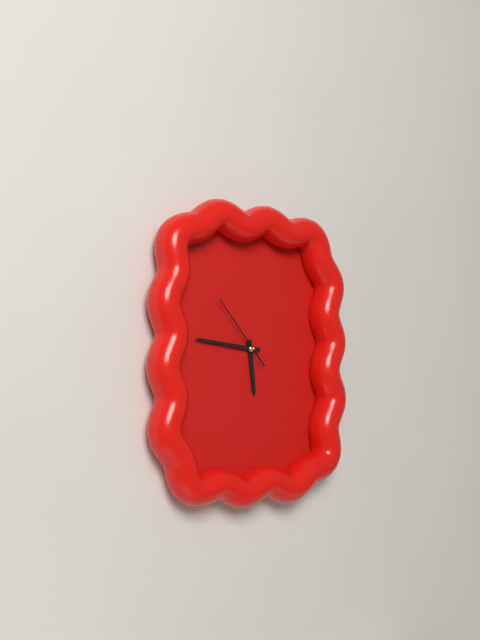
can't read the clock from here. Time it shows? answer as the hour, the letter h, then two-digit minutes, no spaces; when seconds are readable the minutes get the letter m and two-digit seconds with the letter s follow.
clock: 5h46m53s
